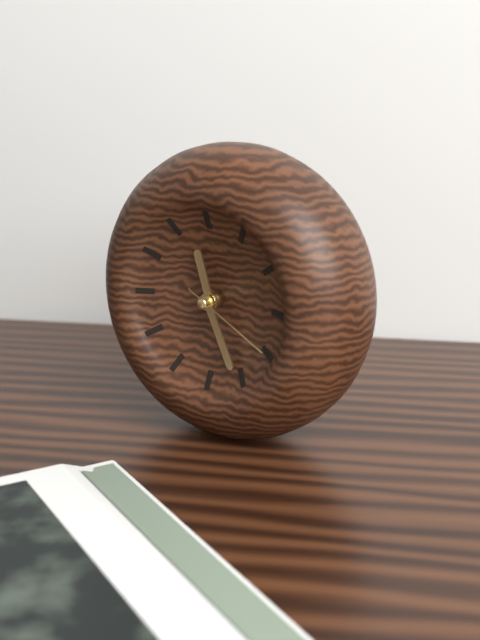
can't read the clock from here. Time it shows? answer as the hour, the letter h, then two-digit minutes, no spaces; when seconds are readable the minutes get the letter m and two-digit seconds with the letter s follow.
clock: 11h26m20s
